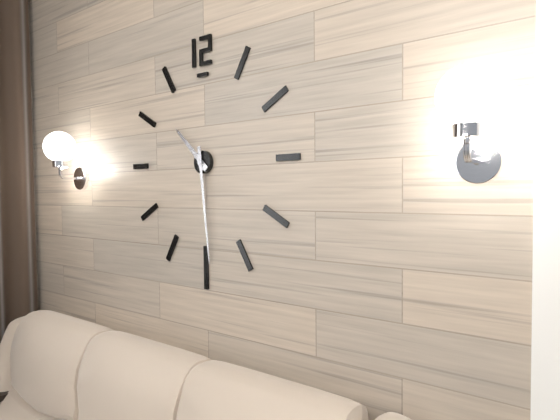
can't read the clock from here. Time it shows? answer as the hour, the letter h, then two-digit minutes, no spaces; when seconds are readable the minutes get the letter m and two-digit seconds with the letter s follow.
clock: 10h29
